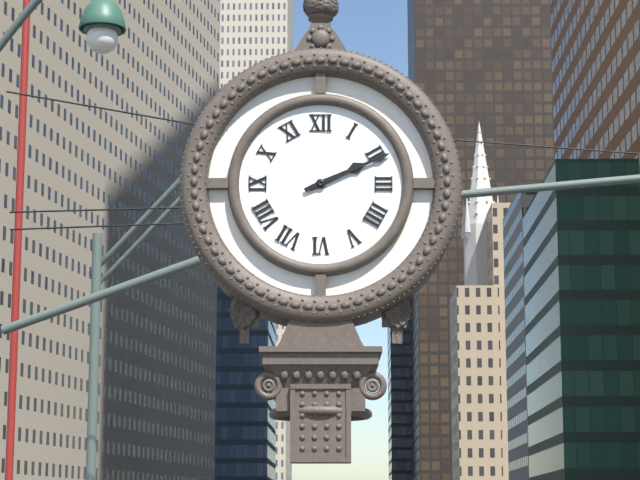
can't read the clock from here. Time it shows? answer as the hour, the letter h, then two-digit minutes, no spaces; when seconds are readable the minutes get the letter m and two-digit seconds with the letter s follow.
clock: 2h11
